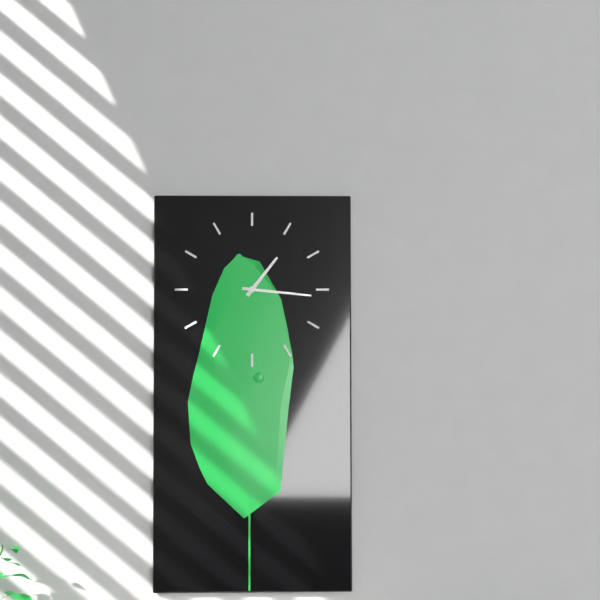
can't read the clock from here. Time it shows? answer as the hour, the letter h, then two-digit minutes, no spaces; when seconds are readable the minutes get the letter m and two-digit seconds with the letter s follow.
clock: 1h16
